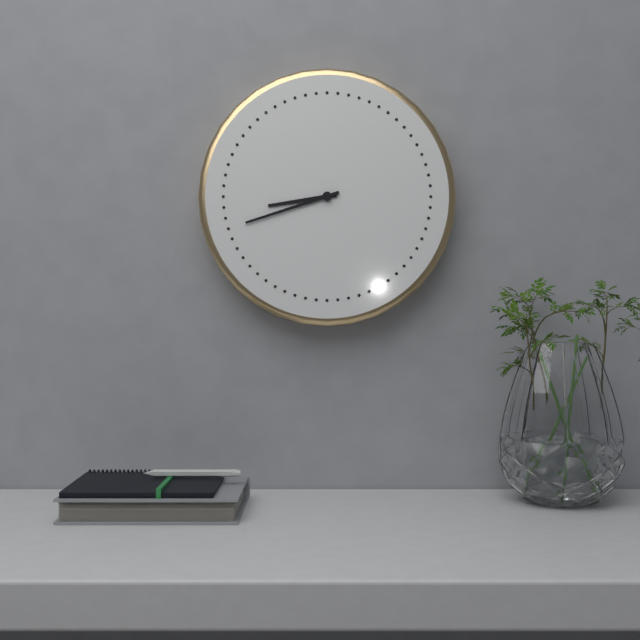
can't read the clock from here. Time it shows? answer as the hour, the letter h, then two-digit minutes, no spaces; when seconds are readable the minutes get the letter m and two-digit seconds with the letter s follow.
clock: 8h42
